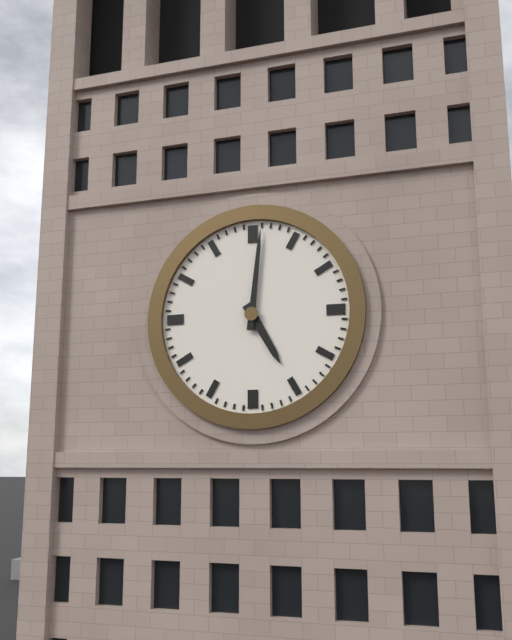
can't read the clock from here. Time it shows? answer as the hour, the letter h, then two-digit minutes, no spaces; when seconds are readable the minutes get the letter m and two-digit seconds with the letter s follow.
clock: 5h01
